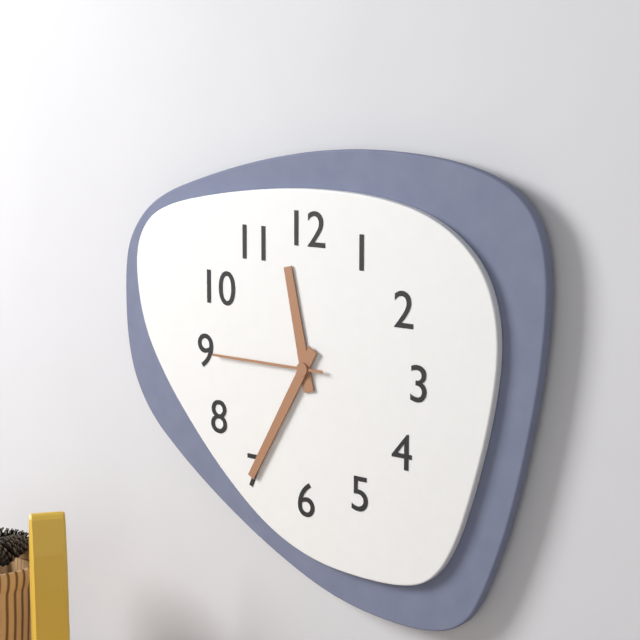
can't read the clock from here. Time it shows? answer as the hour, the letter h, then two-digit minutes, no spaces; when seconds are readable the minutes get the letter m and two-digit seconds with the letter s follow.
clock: 11h35m45s
